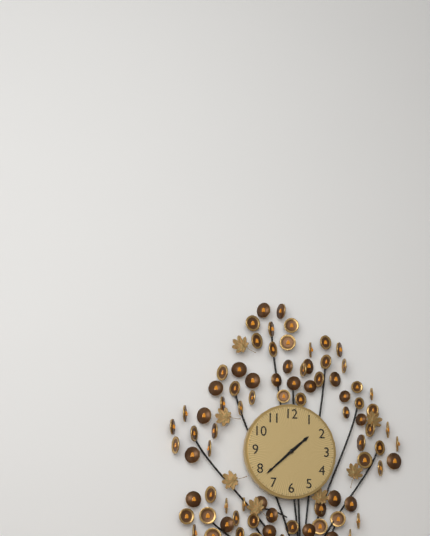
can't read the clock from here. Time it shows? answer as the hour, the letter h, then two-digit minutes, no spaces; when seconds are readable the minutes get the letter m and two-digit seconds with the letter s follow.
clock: 1h38
